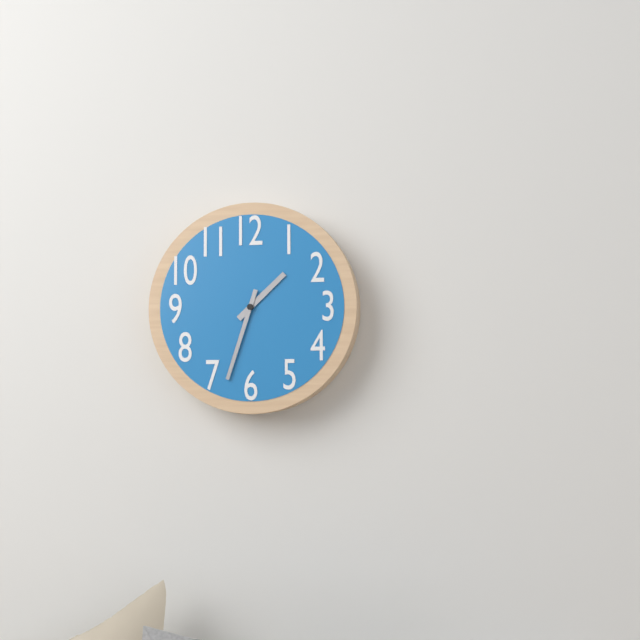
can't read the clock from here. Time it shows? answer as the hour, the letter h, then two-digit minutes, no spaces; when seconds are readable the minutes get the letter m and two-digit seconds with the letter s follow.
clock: 1h33
